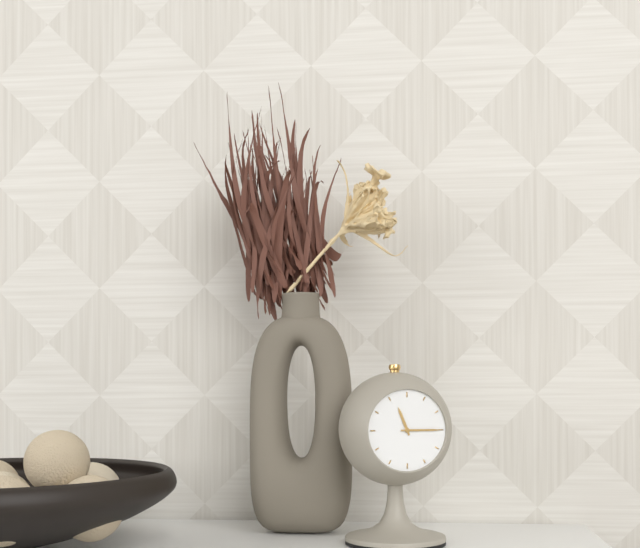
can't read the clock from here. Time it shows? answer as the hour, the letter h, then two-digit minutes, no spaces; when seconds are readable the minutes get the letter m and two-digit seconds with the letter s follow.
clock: 11h15
